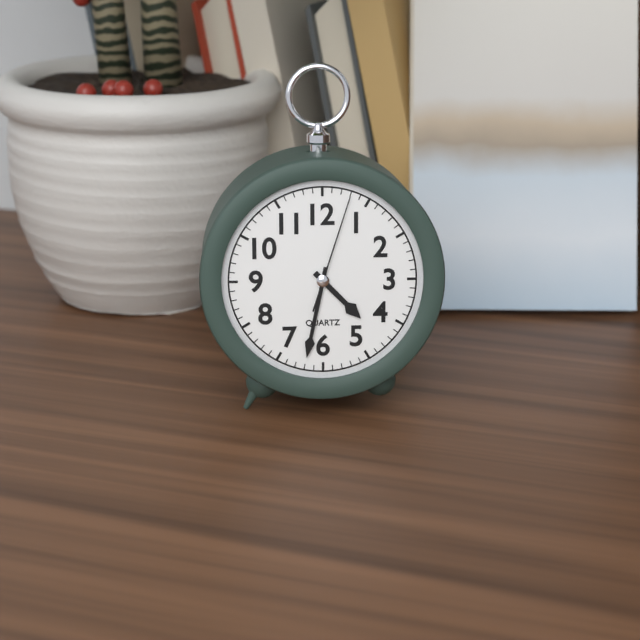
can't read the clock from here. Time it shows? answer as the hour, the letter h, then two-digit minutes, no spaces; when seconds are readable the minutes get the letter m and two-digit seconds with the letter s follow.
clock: 4h32m03s
